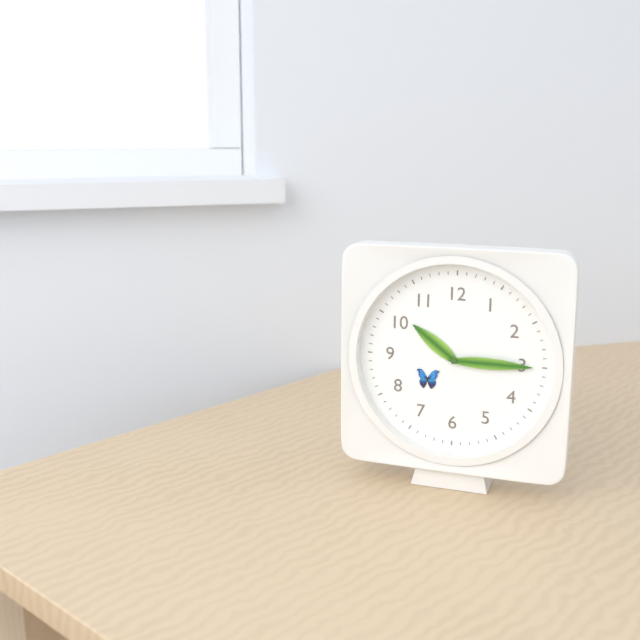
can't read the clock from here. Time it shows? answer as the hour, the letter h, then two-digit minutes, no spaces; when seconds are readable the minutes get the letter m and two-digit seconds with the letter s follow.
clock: 10h15
